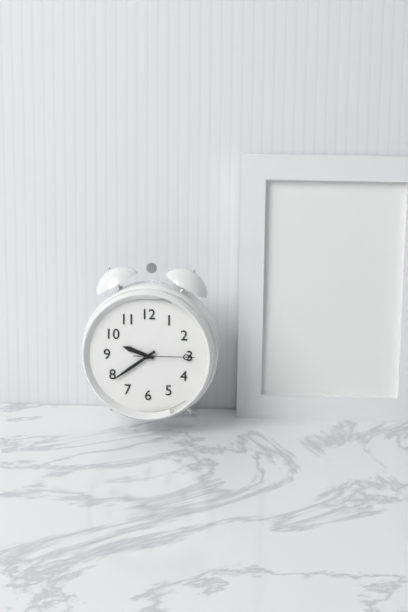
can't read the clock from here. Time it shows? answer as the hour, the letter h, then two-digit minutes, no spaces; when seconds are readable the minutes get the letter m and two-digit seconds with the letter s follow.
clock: 9h39m15s
